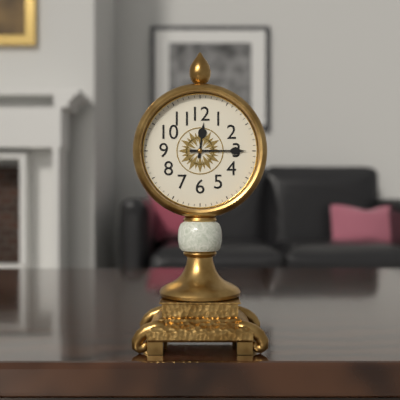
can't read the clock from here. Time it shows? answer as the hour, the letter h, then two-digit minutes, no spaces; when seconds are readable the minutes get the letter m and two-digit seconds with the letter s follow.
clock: 12h15
